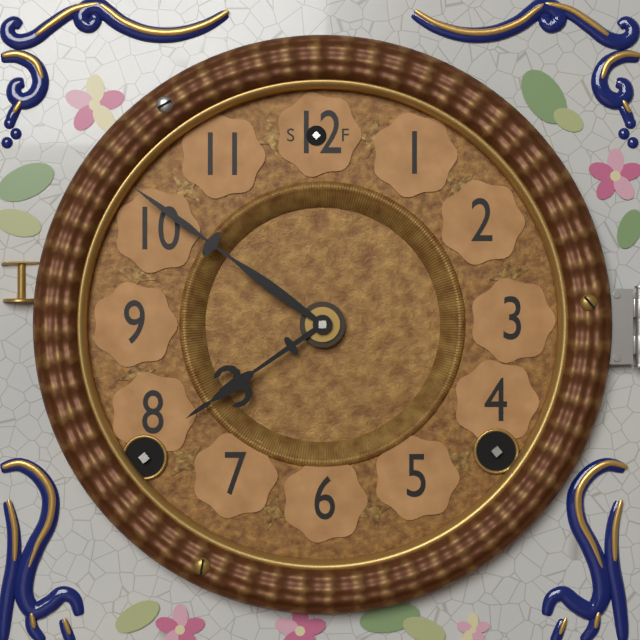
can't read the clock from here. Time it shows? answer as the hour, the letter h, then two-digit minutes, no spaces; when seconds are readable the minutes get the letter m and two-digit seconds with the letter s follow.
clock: 7h51
